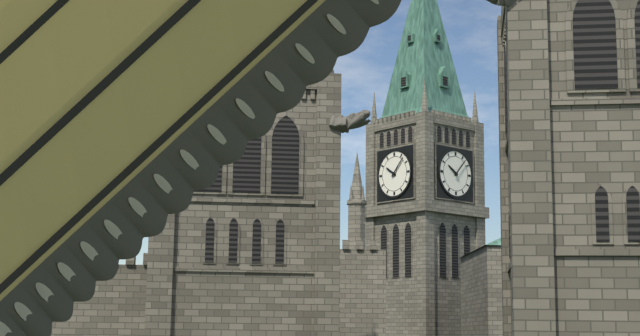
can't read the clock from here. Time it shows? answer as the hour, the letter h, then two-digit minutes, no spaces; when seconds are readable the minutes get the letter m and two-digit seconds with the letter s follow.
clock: 10h07
